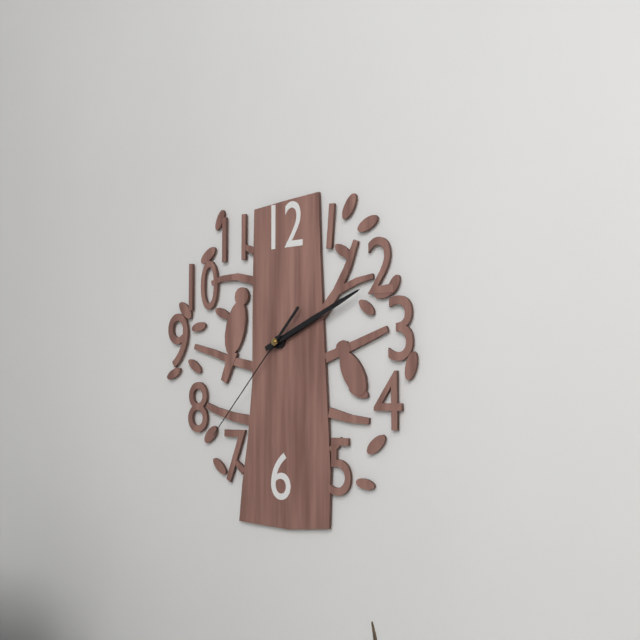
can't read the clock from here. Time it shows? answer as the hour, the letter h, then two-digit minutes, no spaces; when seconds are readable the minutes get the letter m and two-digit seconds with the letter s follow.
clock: 2h11m37s
